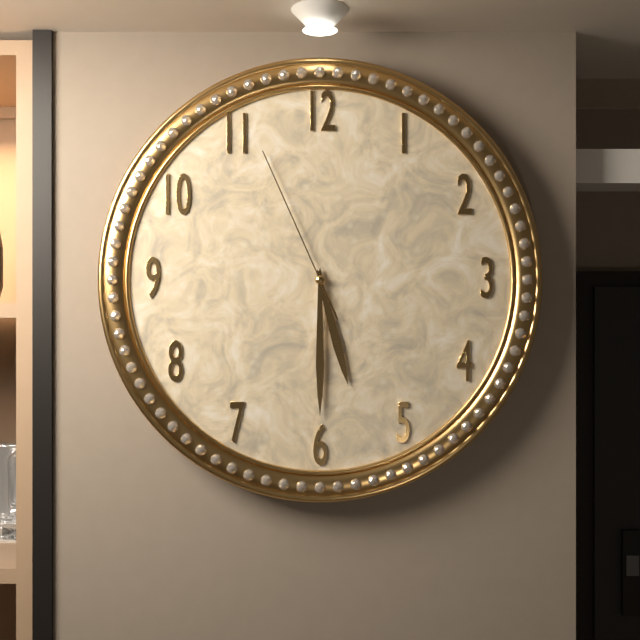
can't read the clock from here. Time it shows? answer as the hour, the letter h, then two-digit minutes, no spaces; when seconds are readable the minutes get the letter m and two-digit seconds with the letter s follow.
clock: 5h30m56s
